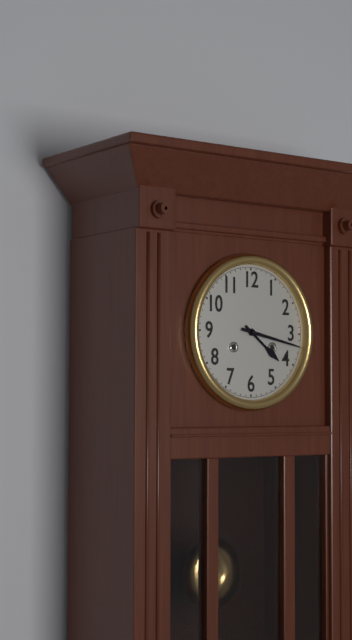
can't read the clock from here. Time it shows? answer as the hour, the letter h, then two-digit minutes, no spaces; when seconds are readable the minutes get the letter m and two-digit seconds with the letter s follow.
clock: 4h17
